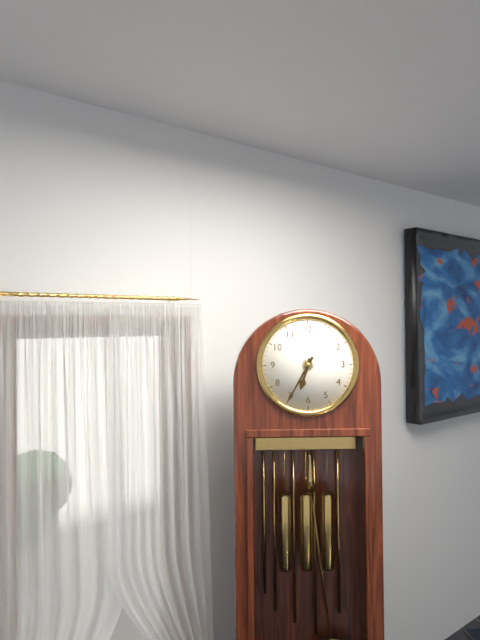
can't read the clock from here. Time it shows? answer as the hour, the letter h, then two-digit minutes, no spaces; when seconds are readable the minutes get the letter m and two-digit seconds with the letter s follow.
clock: 6h35
